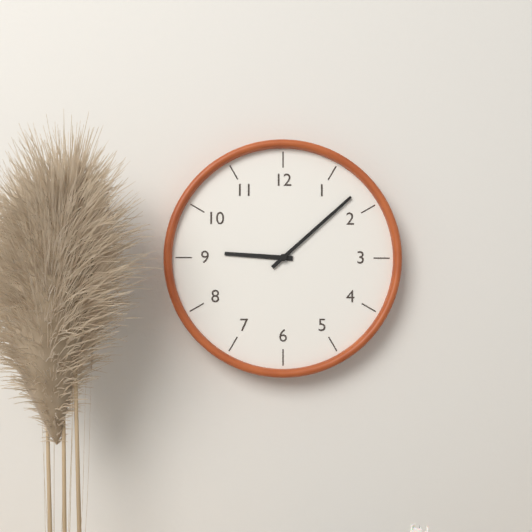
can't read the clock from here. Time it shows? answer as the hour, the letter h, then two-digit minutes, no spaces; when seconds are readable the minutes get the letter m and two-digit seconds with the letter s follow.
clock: 9h08
